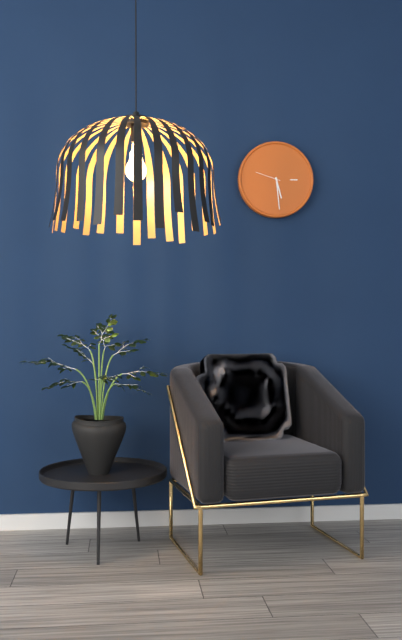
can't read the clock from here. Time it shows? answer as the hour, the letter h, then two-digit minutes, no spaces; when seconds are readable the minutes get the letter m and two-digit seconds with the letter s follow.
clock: 5h29
